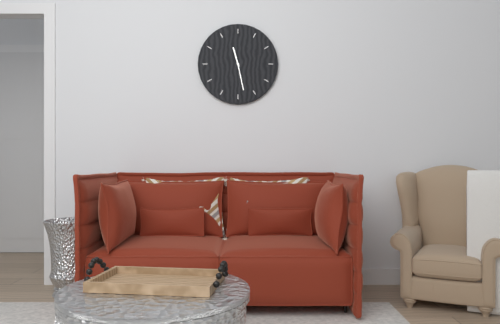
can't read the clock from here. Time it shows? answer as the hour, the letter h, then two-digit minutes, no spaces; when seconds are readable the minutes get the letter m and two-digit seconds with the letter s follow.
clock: 11h28
